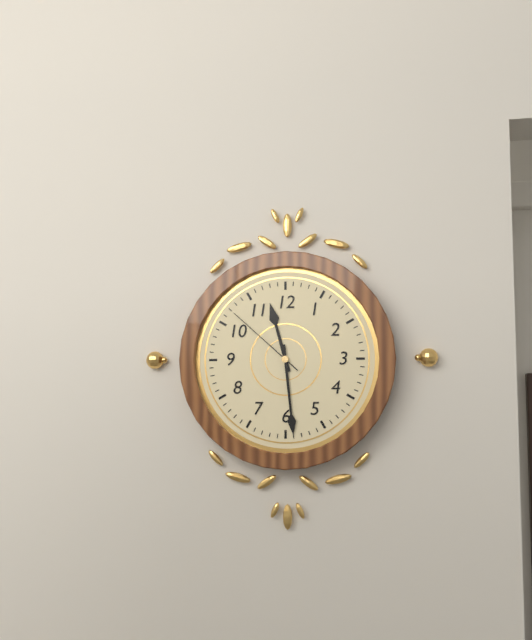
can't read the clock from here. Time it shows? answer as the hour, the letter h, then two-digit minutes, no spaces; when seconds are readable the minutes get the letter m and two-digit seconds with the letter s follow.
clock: 11h29m52s
